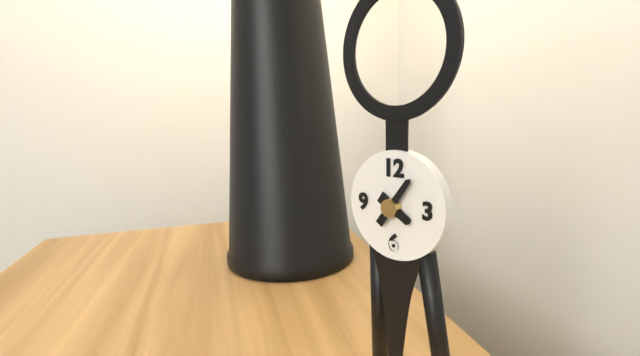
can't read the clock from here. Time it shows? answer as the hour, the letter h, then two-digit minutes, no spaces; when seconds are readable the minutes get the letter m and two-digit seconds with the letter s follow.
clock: 4h06
